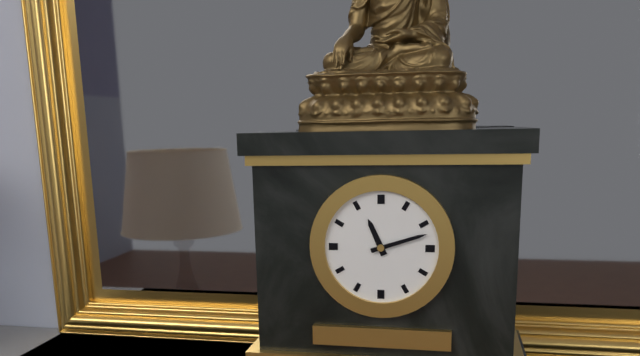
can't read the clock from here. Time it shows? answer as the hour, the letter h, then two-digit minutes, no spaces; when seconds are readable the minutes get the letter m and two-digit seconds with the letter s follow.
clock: 11h12
